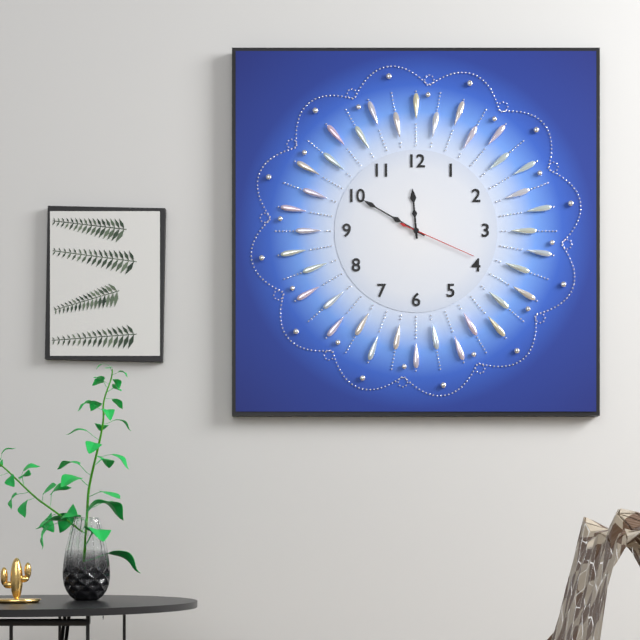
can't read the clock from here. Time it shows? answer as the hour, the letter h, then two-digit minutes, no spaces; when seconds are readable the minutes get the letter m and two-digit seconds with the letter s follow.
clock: 11h50m19s
